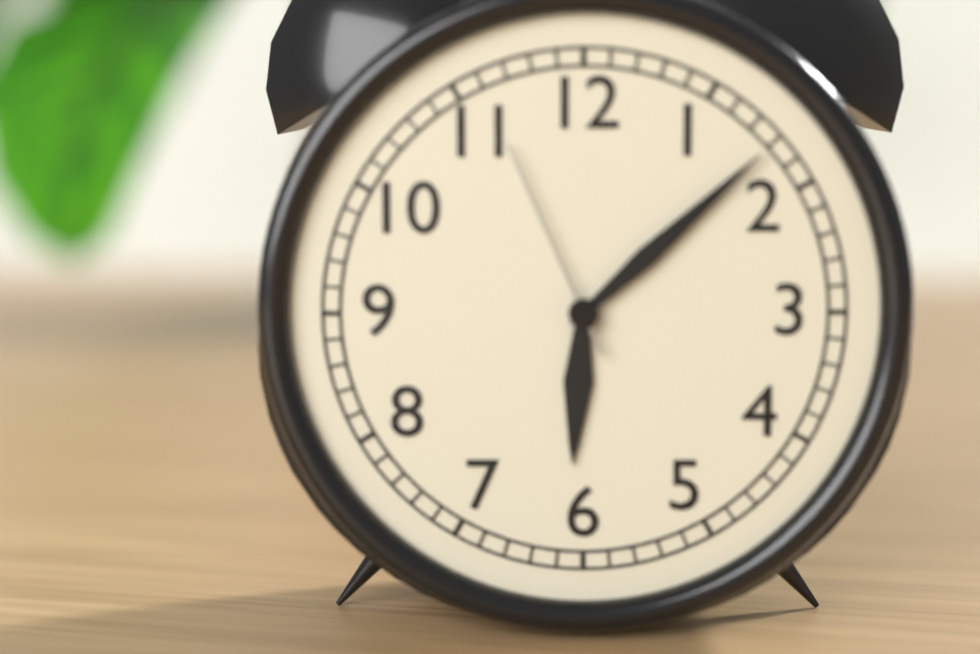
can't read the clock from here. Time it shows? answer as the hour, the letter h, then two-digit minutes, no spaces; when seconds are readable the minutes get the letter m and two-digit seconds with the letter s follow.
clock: 6h08m56s
